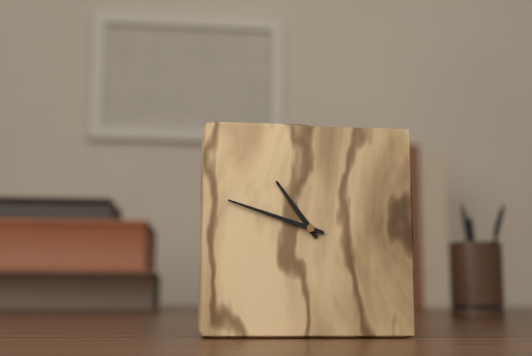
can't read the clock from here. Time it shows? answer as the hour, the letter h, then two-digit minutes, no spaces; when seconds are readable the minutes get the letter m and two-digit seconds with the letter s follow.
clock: 10h48
